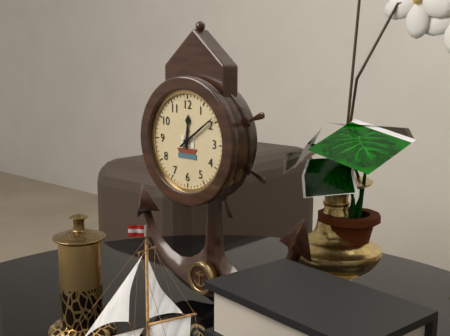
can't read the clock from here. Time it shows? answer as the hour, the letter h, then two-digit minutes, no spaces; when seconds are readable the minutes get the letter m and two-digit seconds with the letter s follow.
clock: 12h09
